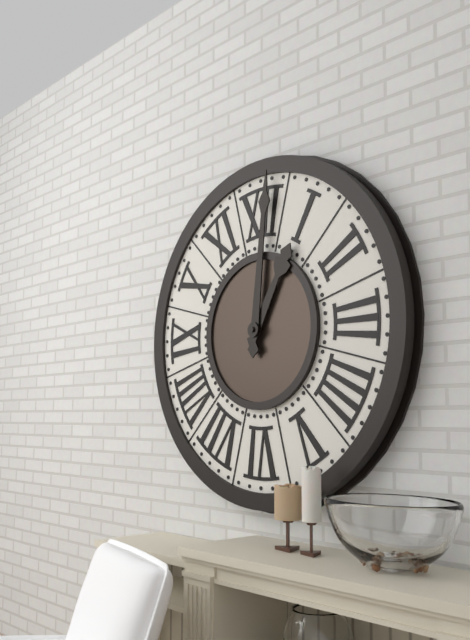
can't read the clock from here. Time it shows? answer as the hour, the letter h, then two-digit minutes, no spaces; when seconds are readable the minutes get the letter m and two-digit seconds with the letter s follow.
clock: 1h01
